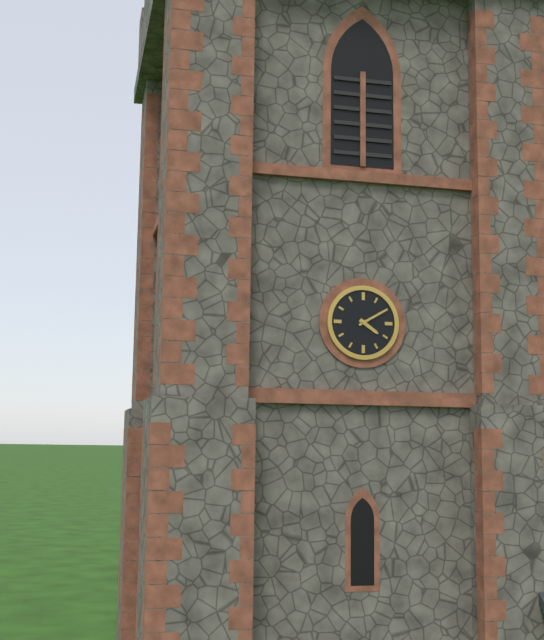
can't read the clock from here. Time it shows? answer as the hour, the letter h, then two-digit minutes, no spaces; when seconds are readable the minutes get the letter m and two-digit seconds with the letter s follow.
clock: 4h10
